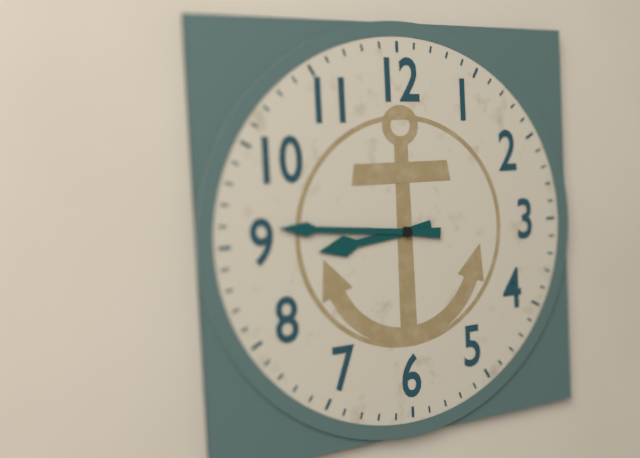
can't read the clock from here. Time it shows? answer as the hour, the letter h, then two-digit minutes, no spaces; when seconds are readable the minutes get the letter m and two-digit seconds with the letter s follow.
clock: 8h46
